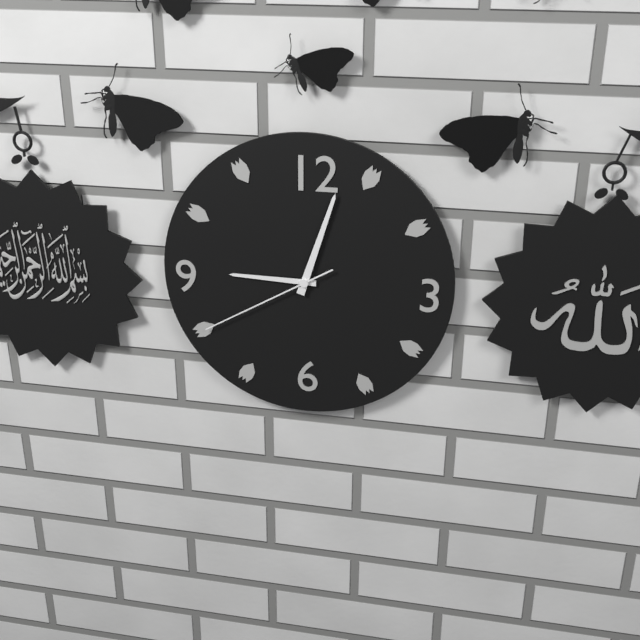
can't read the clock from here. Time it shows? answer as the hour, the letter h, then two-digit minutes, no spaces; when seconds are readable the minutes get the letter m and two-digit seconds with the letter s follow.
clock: 9h03m40s
